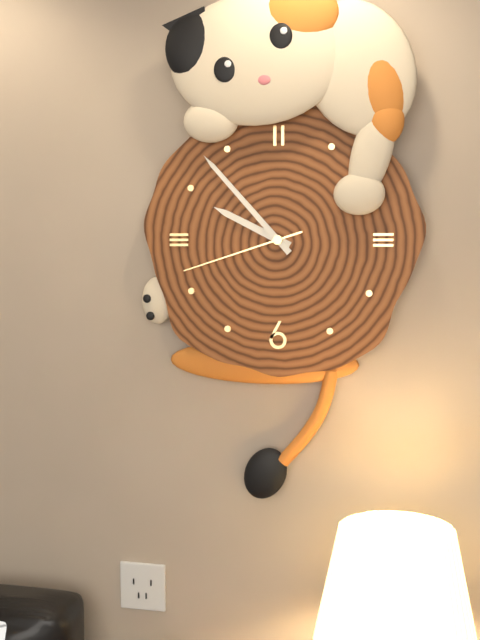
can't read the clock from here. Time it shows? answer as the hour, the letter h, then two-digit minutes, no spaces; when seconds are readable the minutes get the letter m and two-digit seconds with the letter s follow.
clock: 9h53m42s
